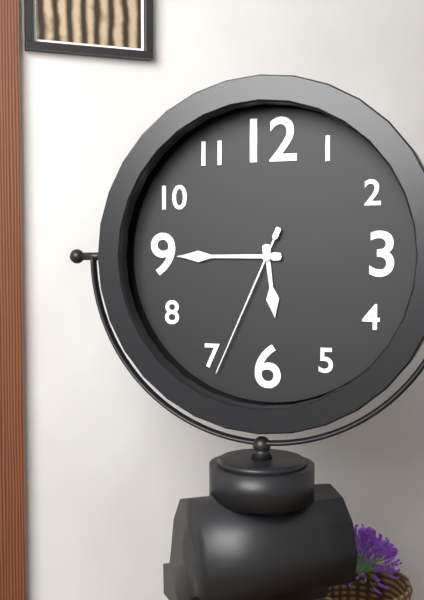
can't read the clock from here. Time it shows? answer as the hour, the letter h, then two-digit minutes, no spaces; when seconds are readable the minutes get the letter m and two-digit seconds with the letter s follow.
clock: 5h45m34s
